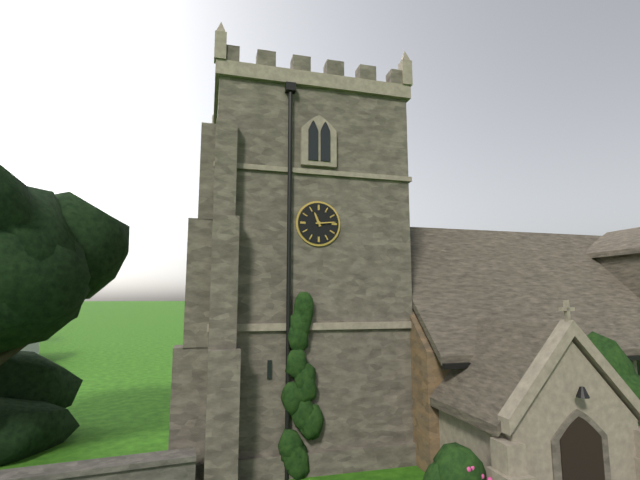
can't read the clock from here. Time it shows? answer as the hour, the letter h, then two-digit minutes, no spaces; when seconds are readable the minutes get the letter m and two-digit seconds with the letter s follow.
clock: 11h14
